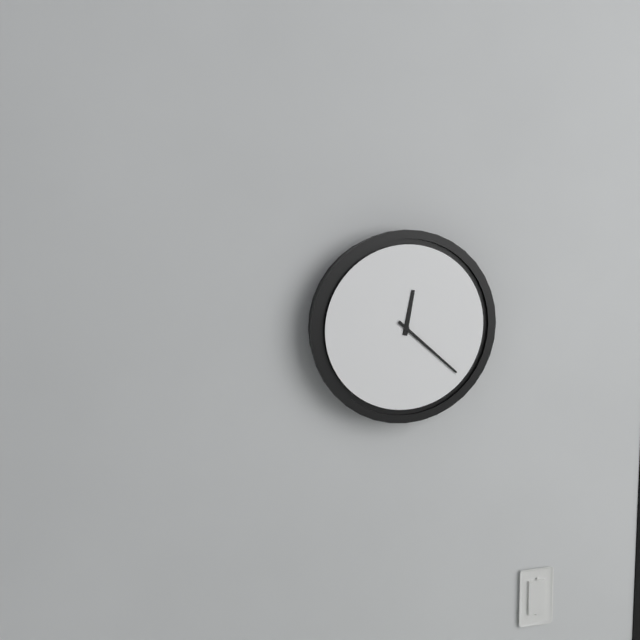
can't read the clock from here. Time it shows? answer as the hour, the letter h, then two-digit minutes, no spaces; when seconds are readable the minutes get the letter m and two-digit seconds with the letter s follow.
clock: 12h22
